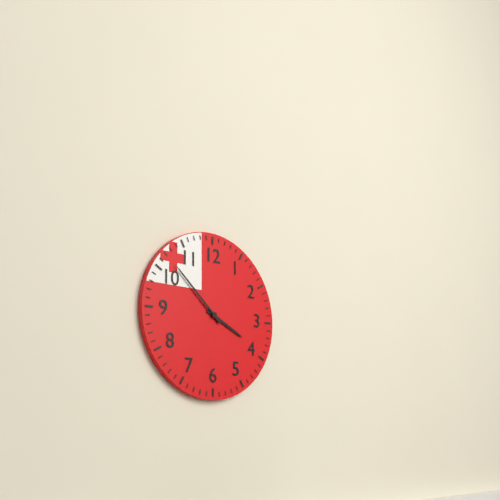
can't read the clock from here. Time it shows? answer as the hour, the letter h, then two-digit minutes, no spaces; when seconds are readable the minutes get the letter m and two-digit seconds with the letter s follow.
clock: 3h52
